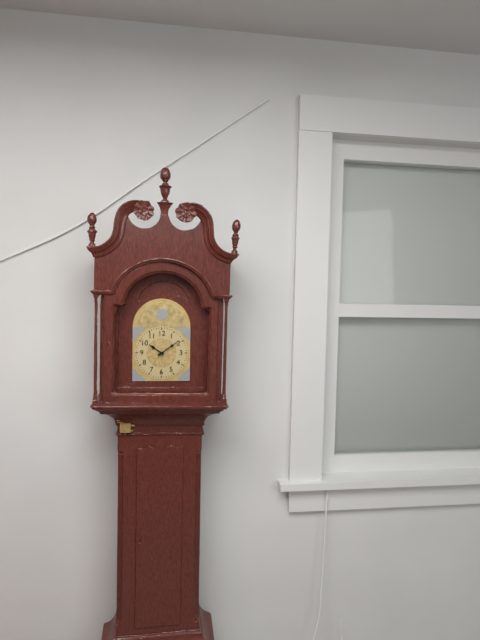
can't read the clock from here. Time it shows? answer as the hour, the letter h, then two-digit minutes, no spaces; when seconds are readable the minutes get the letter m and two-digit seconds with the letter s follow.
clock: 10h09
